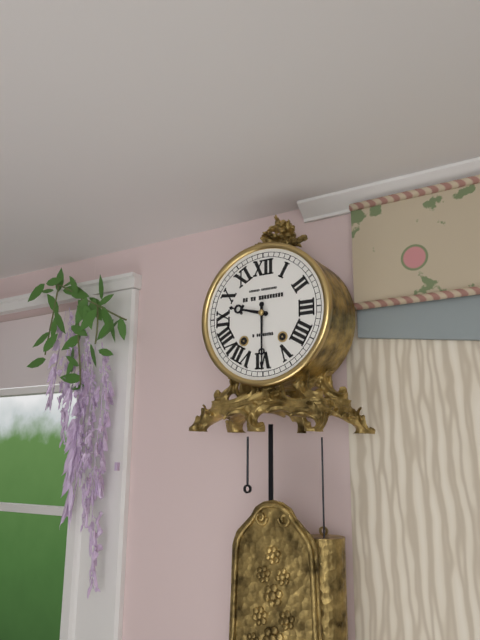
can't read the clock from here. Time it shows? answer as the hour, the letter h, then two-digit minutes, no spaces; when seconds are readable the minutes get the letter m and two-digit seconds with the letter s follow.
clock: 9h30
